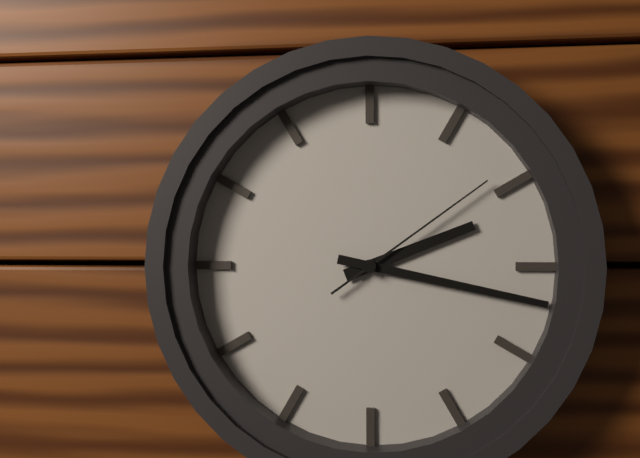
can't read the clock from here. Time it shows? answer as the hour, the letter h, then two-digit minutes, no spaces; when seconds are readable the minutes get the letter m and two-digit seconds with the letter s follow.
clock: 2h17m09s
